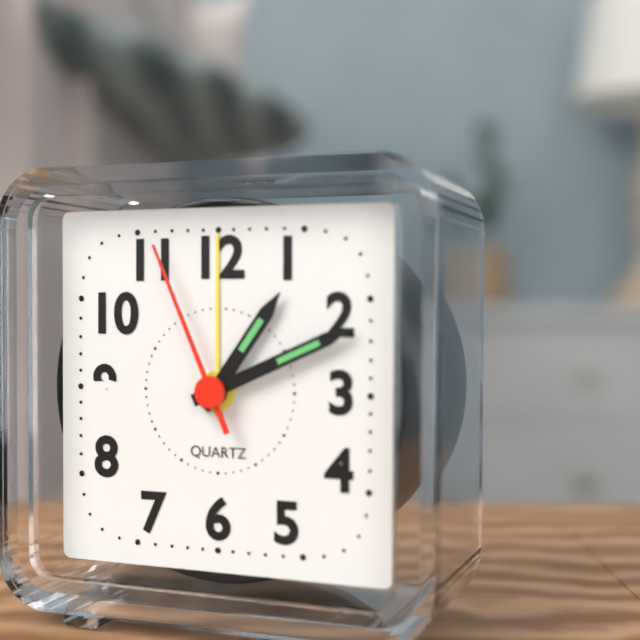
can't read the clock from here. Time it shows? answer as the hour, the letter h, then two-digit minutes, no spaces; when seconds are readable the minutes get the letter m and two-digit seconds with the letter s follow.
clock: 1h11m56s
